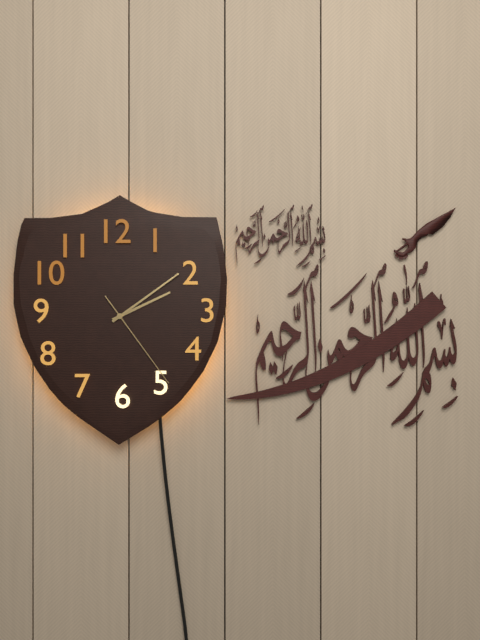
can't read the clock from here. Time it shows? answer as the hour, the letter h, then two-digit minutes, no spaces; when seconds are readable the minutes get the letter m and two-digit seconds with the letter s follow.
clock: 2h09m24s
